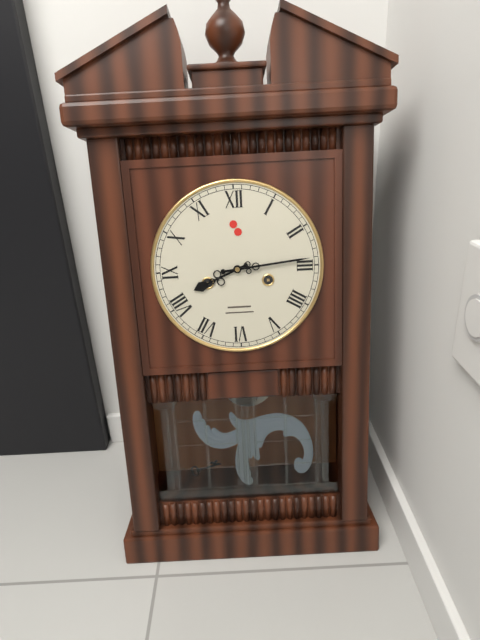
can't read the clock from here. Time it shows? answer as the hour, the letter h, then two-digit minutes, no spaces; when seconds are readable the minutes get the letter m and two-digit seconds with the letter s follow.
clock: 8h14
